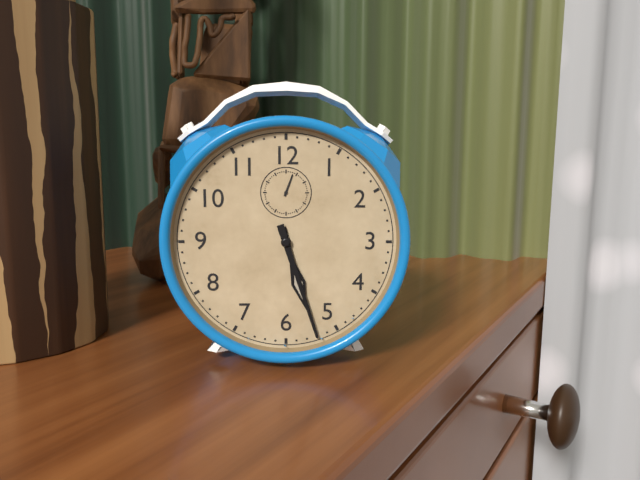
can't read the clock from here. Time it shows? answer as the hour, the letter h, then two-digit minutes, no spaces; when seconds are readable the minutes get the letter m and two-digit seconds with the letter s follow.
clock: 5h27
